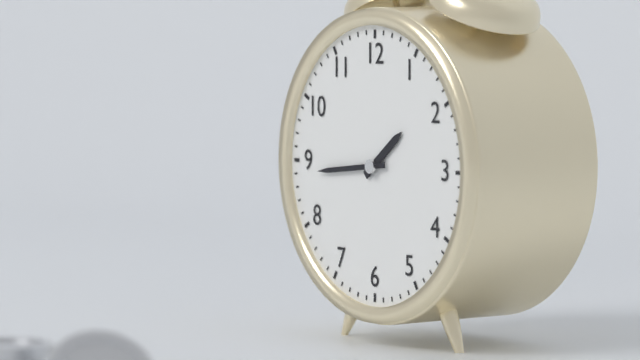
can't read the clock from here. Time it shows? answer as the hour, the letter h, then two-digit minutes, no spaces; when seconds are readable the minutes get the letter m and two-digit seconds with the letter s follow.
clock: 1h44
